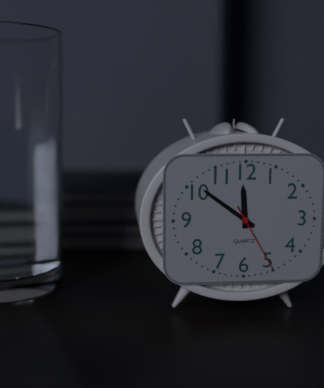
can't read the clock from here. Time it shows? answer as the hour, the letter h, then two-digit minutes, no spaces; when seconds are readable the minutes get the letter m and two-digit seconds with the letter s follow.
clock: 11h51m25s
